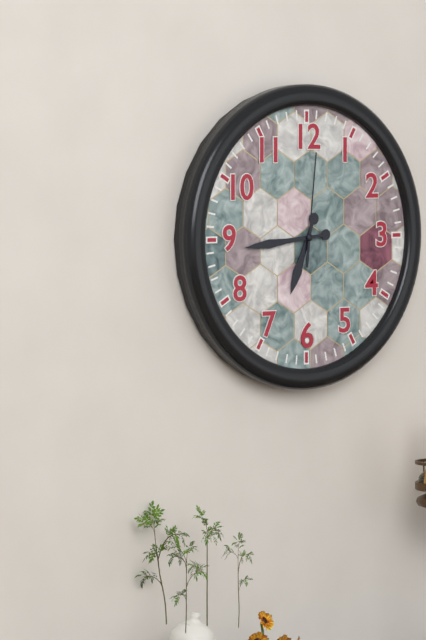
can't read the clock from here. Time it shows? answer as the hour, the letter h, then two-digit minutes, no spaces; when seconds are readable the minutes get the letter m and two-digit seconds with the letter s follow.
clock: 6h44m01s
